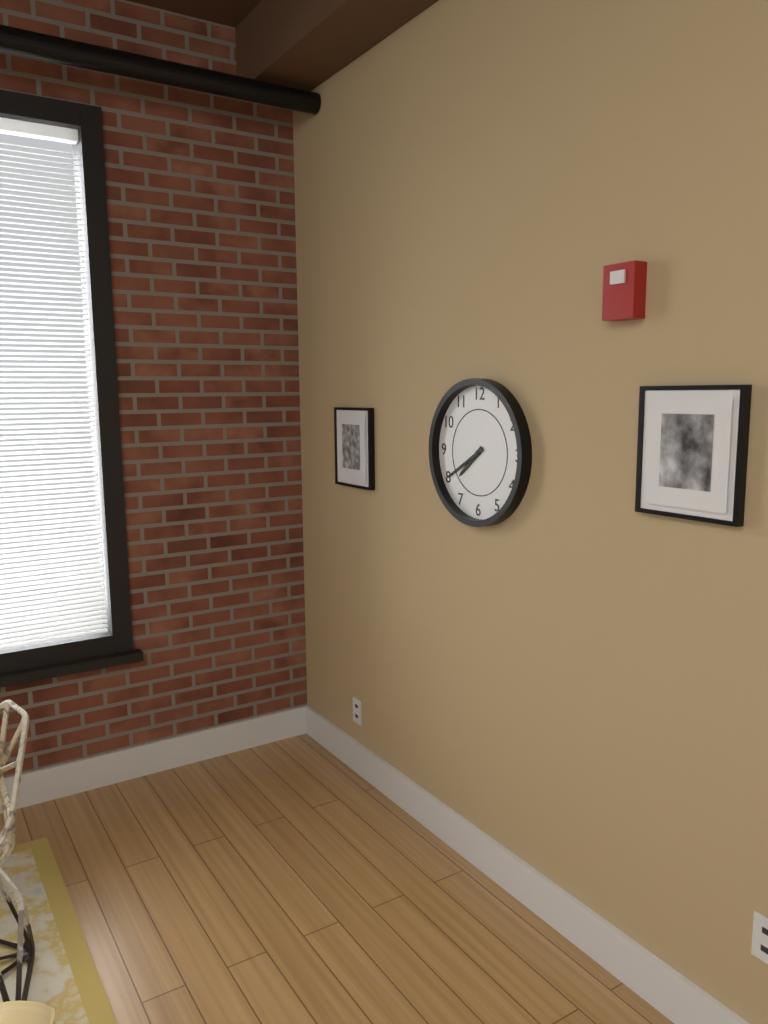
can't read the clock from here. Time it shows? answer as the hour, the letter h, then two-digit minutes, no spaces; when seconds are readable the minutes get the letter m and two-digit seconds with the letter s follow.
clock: 7h40
